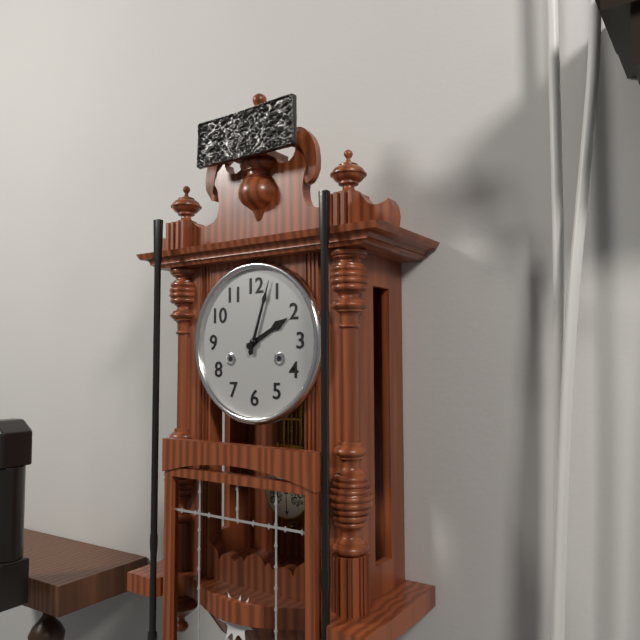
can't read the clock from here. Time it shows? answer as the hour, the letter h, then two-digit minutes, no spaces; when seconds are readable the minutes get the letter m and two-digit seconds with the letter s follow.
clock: 2h03
